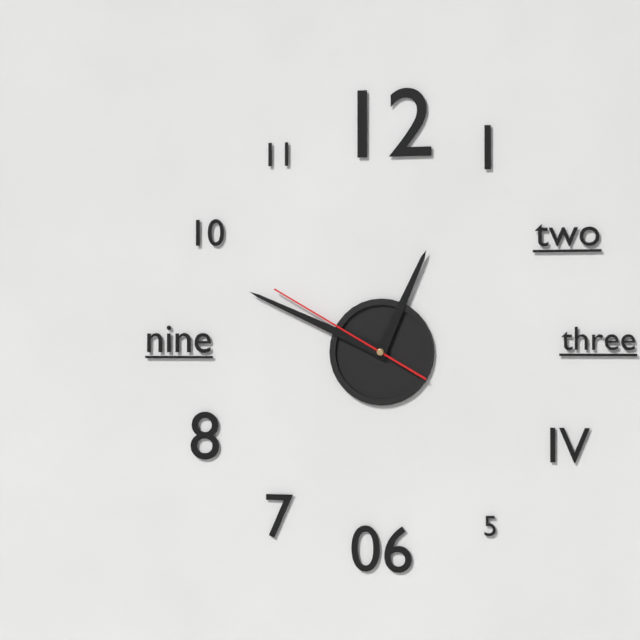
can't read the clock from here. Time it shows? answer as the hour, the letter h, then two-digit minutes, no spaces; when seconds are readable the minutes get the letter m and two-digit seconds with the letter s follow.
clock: 12h49m50s
